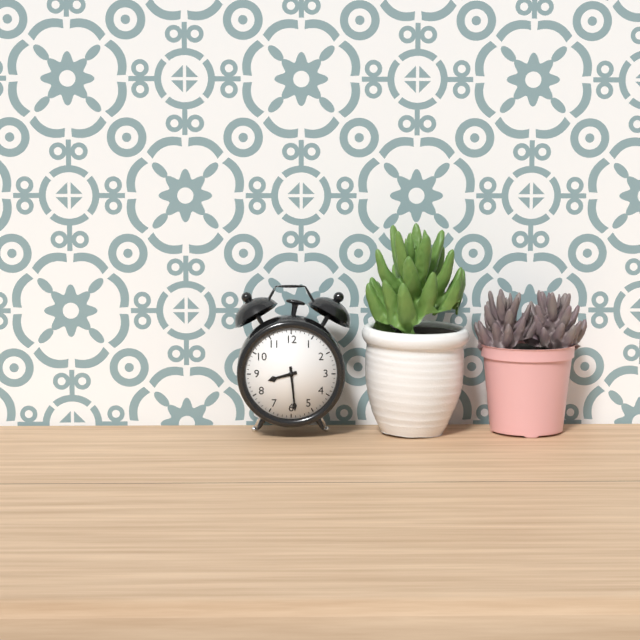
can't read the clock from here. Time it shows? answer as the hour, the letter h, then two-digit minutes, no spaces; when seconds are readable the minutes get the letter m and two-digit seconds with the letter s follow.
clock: 8h29
